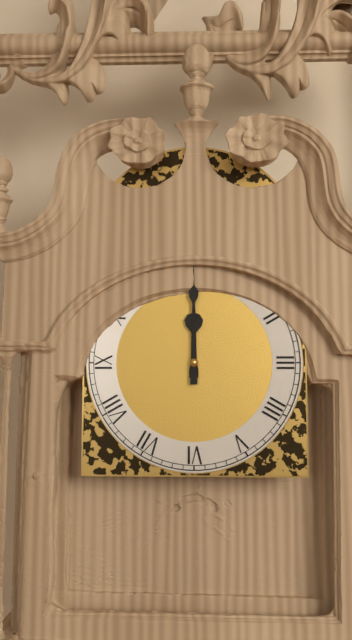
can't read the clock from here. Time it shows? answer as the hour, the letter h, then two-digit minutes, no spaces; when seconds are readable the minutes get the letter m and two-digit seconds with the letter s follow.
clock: 12h00
